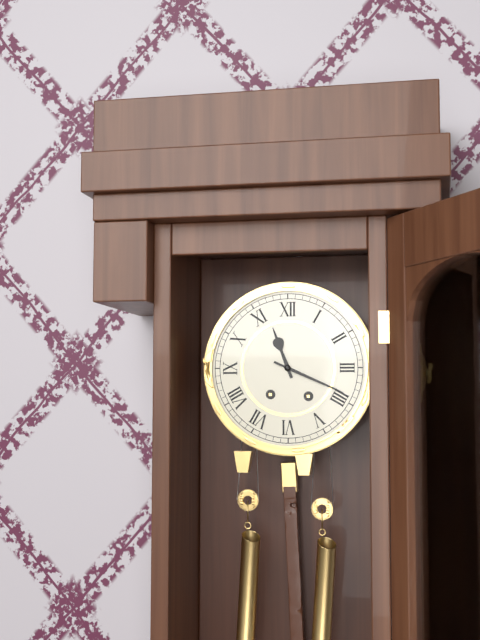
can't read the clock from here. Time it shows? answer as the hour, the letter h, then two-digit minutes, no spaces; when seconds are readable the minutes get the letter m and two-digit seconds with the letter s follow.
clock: 11h19
